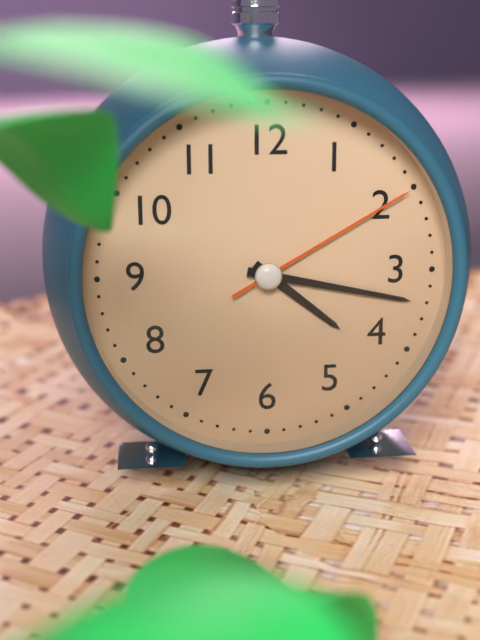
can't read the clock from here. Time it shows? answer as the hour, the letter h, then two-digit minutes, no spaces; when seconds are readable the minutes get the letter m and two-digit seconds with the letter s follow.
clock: 4h17m10s
